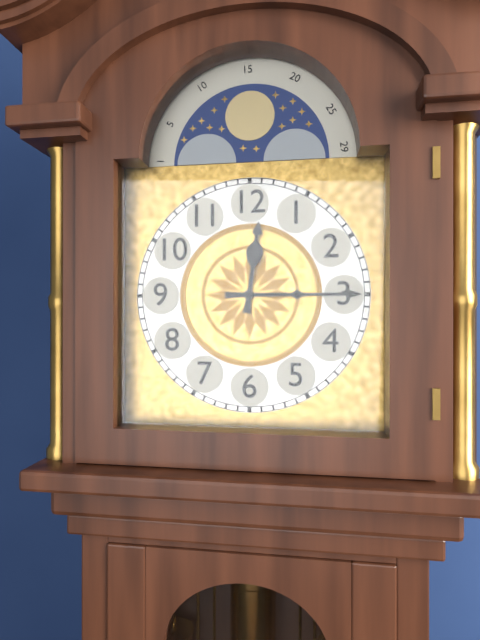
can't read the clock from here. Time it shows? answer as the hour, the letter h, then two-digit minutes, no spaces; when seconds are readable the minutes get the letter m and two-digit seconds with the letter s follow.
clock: 12h15
